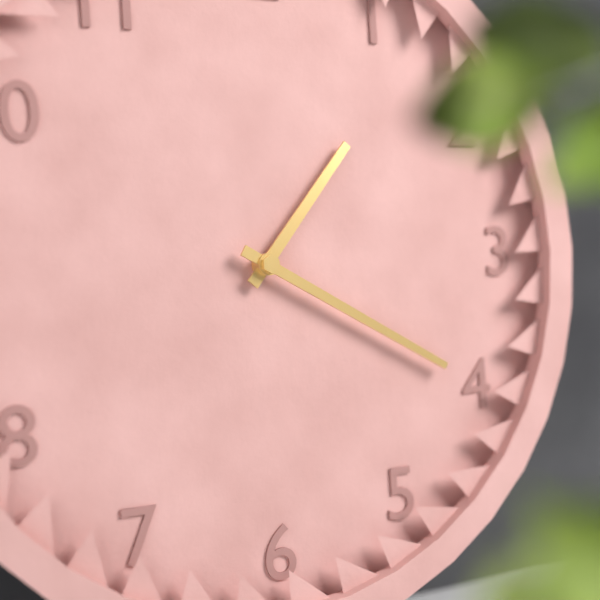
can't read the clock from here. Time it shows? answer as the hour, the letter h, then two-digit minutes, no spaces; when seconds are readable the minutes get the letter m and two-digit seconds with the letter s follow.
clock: 1h20
